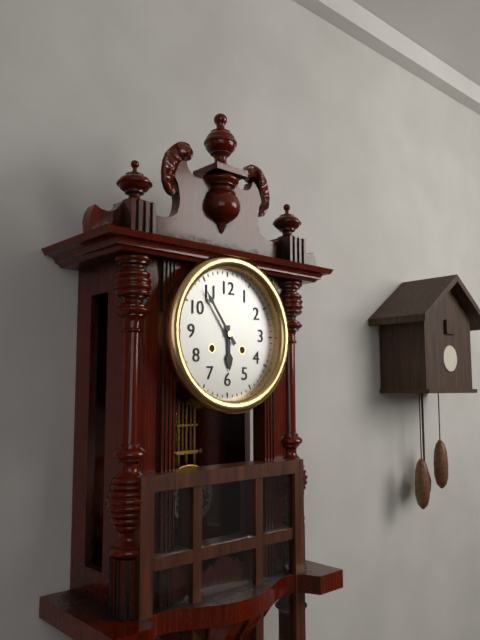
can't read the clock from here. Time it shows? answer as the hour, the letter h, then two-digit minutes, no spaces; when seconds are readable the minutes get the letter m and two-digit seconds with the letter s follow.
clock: 5h54
